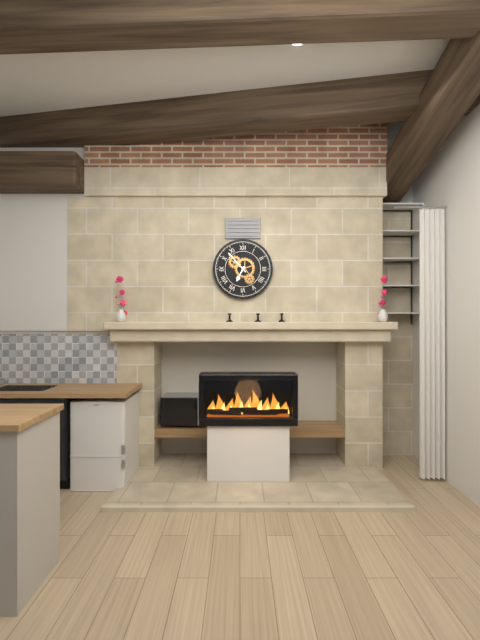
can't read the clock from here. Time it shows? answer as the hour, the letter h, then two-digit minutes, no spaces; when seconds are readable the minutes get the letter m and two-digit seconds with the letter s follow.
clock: 6h53
